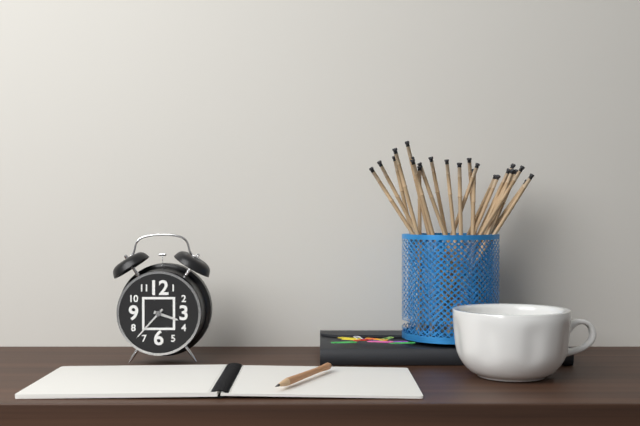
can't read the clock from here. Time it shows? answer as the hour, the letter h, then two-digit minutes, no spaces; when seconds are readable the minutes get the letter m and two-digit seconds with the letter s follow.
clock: 3h37
